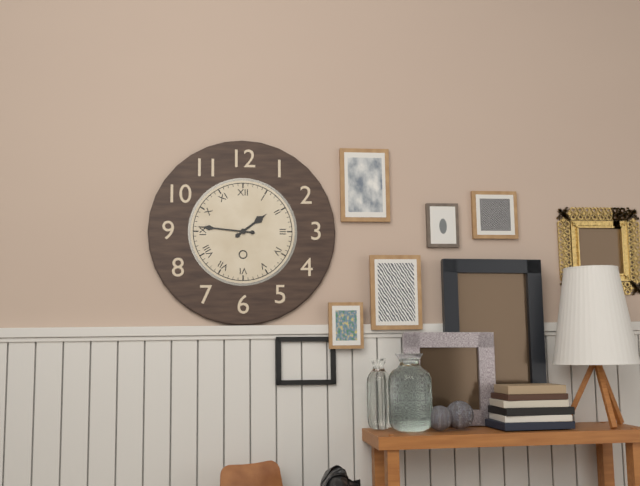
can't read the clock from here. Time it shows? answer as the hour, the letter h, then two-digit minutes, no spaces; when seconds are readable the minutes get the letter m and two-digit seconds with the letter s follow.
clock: 1h46
